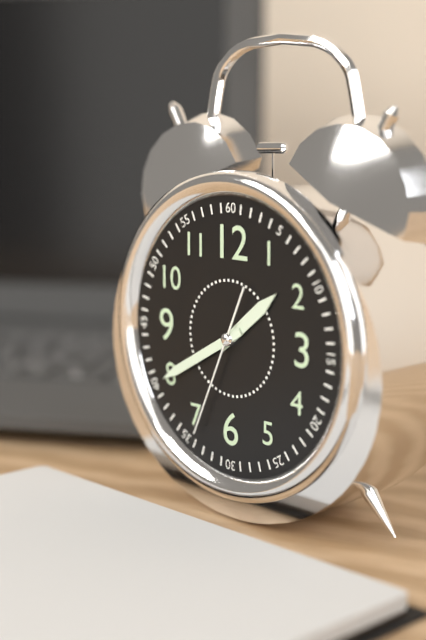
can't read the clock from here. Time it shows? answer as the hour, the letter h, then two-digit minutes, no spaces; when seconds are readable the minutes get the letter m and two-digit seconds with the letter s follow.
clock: 1h40m34s
